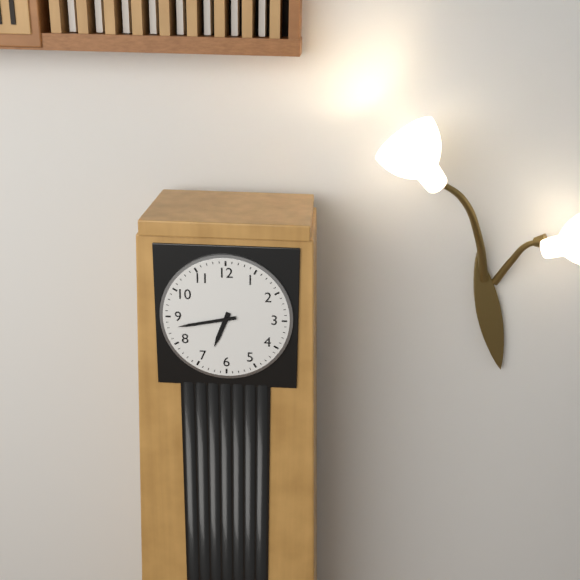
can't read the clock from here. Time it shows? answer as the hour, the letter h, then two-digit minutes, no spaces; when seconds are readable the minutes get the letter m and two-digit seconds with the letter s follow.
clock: 6h43
